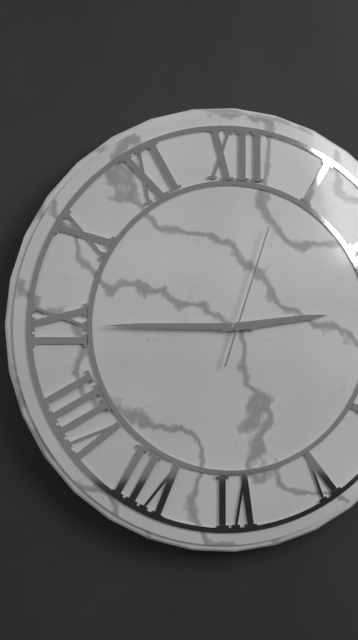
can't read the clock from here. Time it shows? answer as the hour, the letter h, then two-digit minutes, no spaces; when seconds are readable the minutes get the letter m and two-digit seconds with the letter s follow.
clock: 2h45m03s
